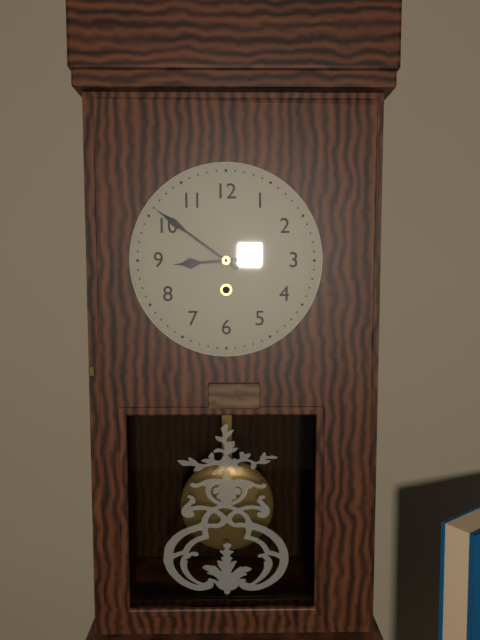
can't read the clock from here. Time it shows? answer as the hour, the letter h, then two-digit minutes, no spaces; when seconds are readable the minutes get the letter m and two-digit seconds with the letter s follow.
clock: 8h51
